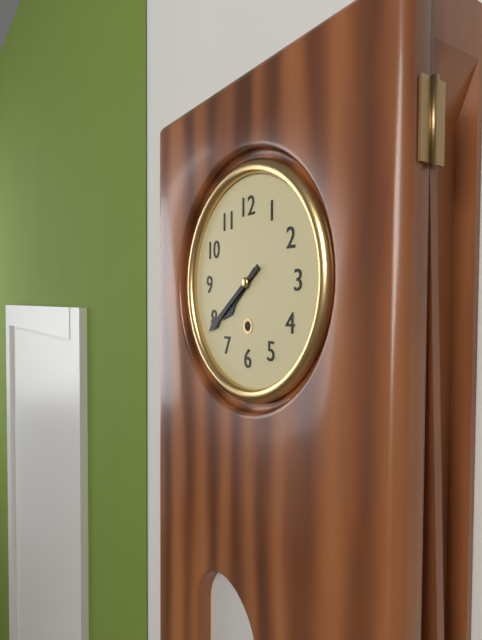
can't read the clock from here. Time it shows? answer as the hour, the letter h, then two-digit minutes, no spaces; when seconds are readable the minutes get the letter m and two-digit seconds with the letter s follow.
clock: 7h39
